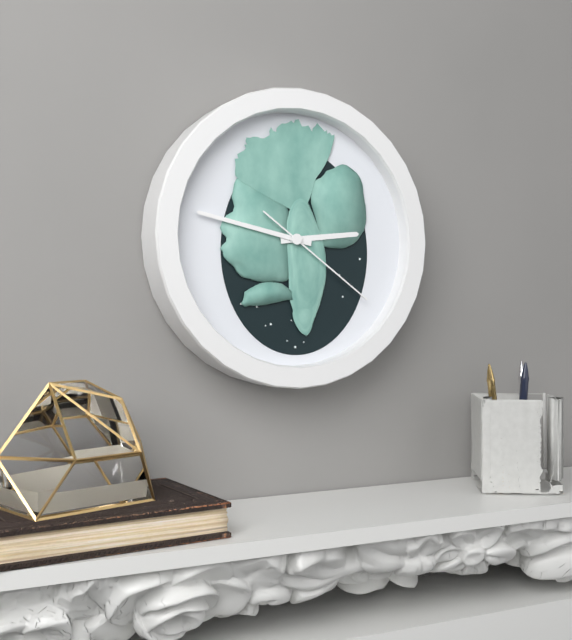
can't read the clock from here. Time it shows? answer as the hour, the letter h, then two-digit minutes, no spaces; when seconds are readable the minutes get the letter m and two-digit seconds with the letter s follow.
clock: 2h47m21s
